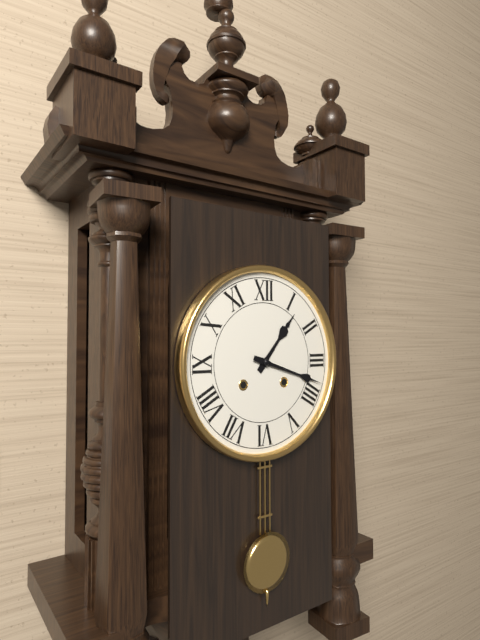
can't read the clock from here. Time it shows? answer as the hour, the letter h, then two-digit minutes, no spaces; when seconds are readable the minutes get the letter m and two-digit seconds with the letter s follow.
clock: 1h18
